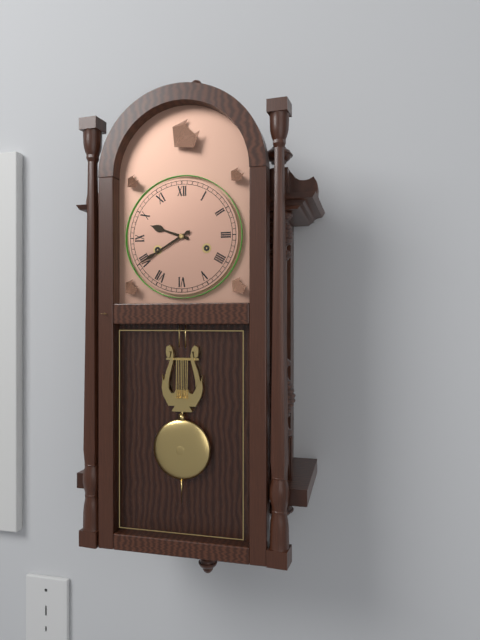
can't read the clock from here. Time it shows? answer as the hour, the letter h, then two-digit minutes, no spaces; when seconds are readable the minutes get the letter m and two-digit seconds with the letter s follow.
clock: 9h40
